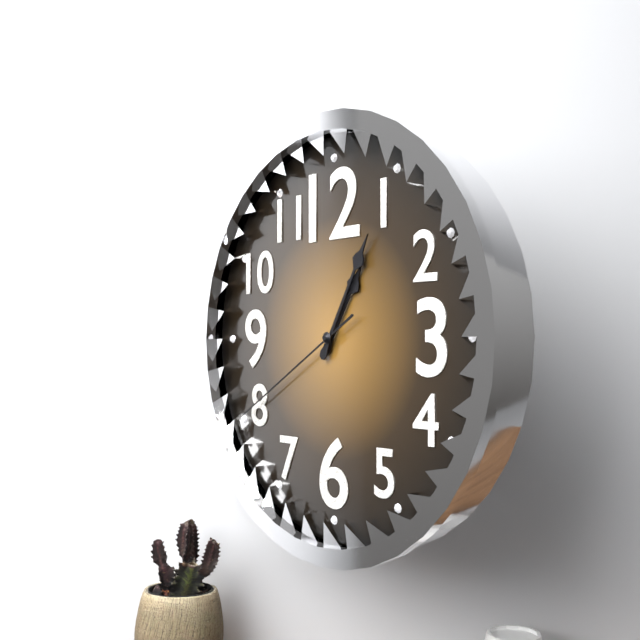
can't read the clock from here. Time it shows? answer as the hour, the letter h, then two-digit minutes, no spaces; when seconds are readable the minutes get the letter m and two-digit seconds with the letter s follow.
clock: 1h05m40s
